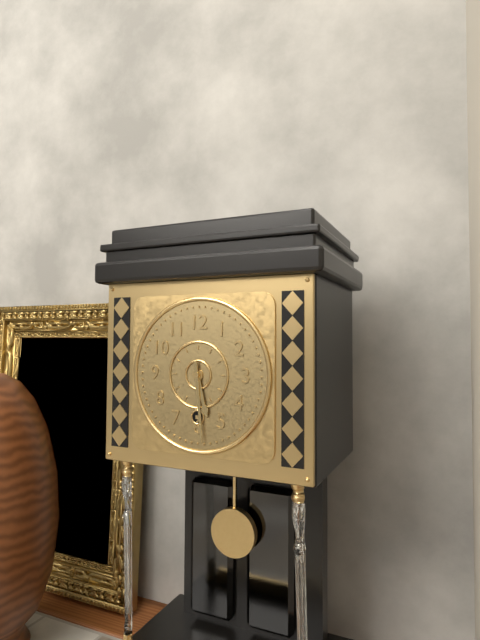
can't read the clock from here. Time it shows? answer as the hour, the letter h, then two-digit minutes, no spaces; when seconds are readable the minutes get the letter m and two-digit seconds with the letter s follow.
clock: 5h29
